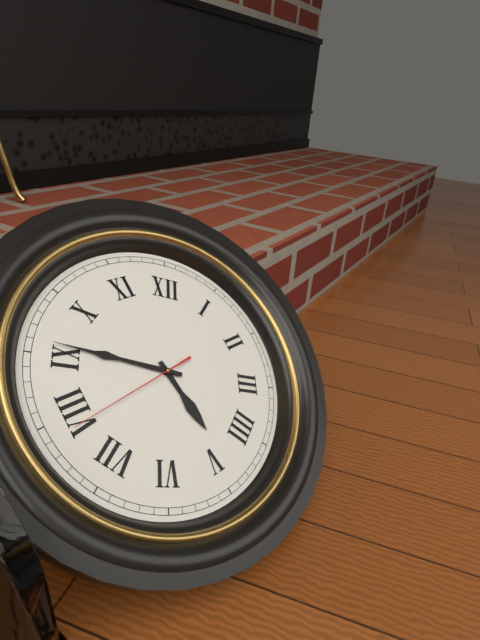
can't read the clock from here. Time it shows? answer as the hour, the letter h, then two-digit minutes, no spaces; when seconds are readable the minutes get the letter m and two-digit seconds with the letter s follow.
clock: 4h46m39s
